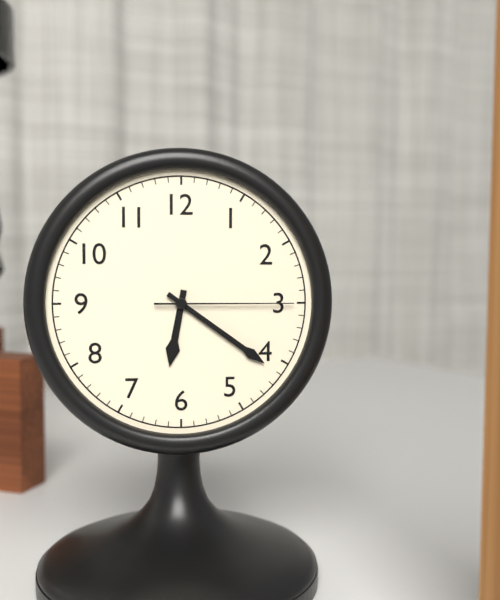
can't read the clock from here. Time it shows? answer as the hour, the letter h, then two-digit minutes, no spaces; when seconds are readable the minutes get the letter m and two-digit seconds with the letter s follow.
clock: 6h21m15s
